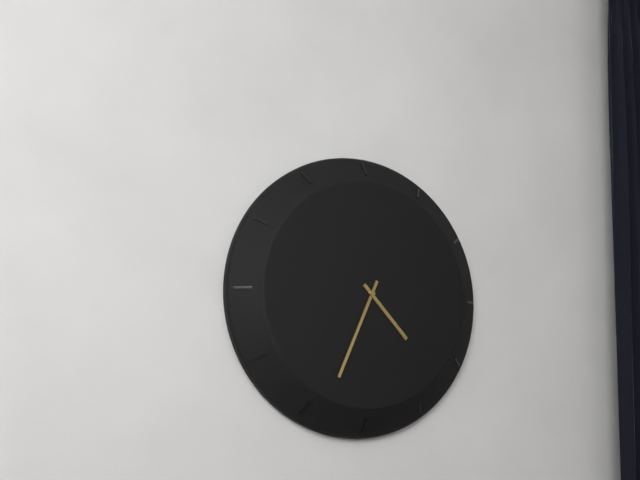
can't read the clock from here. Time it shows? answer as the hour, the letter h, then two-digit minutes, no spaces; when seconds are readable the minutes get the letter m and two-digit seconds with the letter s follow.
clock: 4h34
